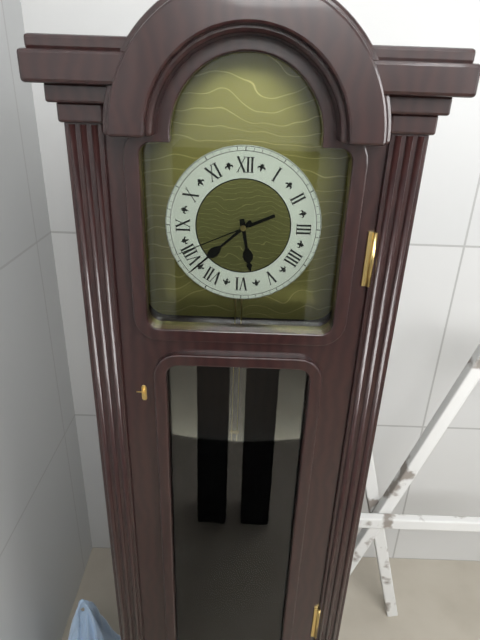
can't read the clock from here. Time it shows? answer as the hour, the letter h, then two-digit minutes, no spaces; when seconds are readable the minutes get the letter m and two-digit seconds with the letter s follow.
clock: 5h38m41s
